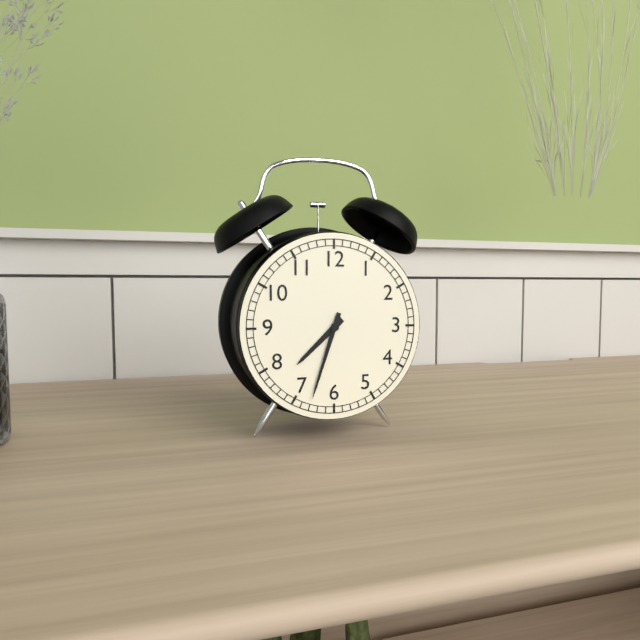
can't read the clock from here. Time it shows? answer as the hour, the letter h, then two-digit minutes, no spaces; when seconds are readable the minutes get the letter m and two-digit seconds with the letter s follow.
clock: 7h33
